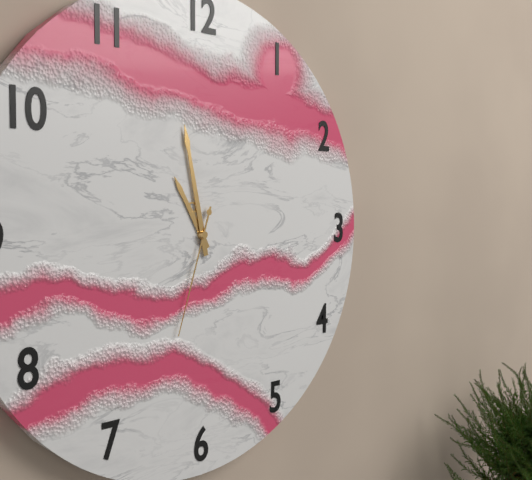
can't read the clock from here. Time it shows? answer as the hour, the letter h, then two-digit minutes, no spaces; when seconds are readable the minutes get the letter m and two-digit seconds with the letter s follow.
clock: 10h58m33s
